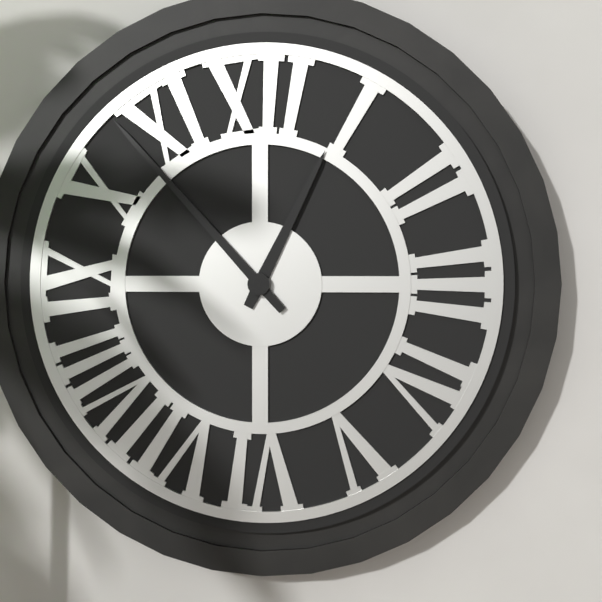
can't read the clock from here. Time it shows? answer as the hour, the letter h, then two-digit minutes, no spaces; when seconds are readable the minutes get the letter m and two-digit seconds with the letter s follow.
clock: 12h53
